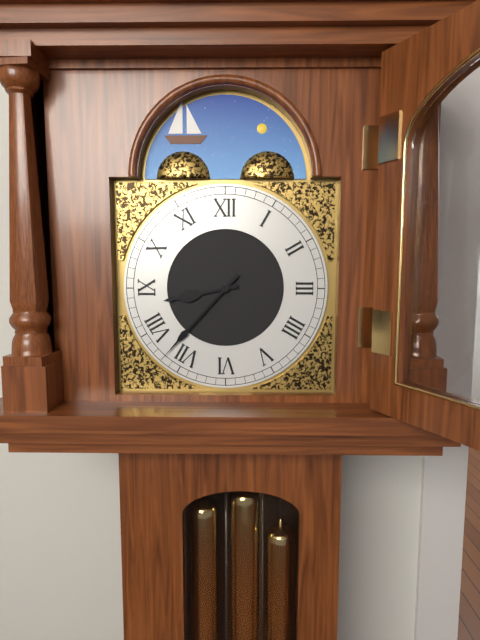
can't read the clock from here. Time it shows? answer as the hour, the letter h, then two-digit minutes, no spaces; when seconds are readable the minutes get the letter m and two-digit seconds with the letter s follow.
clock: 8h37
